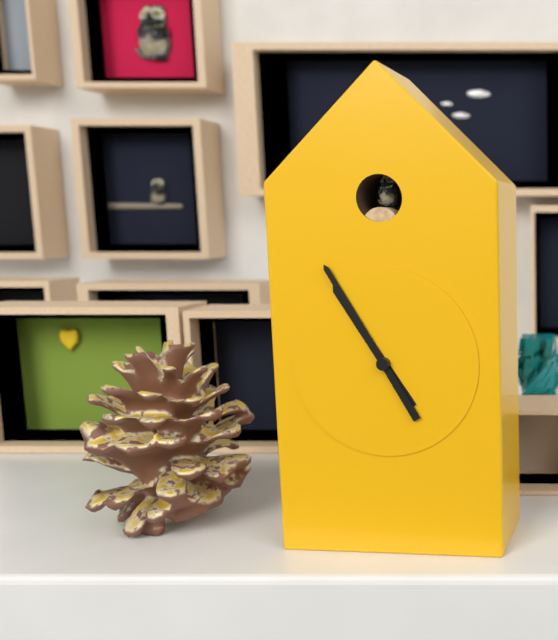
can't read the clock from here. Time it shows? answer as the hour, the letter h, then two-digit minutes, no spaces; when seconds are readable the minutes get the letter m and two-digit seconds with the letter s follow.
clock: 10h55
